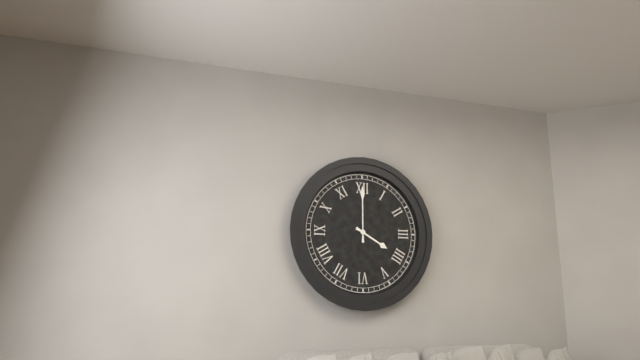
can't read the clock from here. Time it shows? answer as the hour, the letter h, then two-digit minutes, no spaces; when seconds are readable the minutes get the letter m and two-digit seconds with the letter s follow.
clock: 4h00
